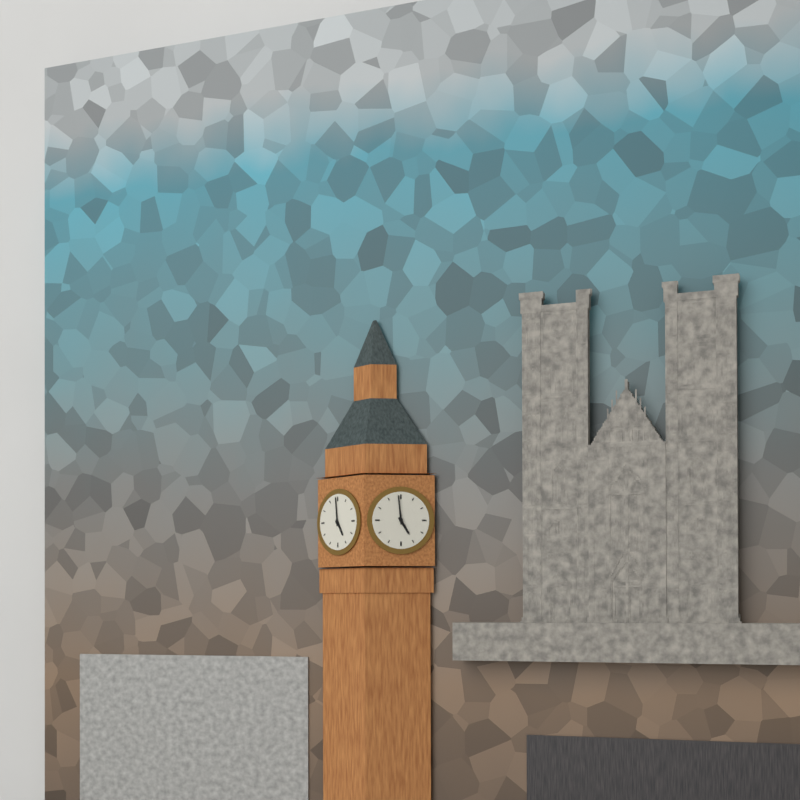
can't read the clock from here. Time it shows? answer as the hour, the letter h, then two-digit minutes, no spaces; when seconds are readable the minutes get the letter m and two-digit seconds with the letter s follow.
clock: 4h59
